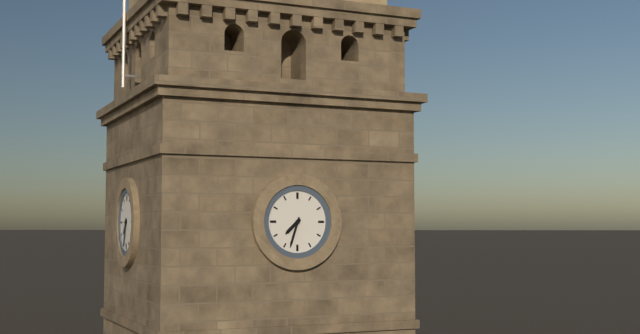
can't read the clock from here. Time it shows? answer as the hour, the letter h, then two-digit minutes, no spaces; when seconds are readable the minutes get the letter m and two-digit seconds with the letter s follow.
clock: 7h33
